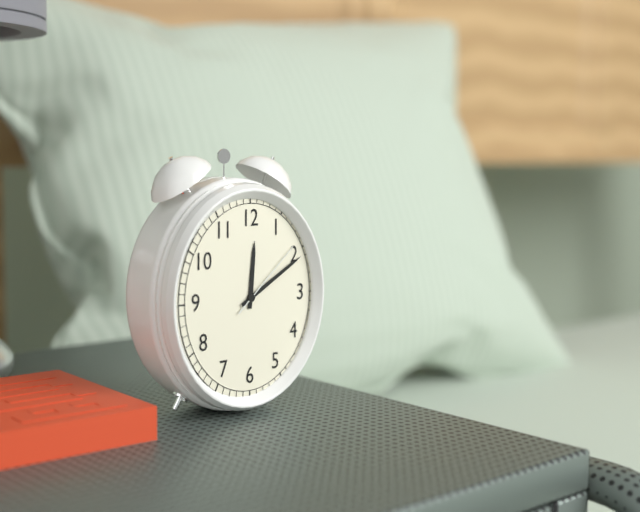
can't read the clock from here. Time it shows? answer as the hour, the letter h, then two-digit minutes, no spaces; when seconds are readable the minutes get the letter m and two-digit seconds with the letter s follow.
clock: 12h10m08s
